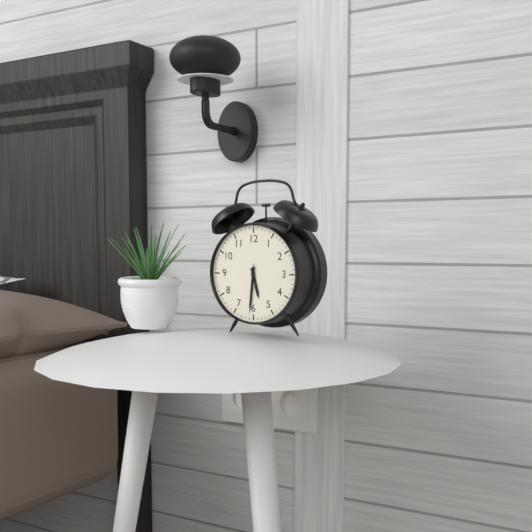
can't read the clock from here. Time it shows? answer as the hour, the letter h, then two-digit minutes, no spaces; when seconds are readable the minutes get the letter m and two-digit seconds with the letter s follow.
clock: 5h31m31s
